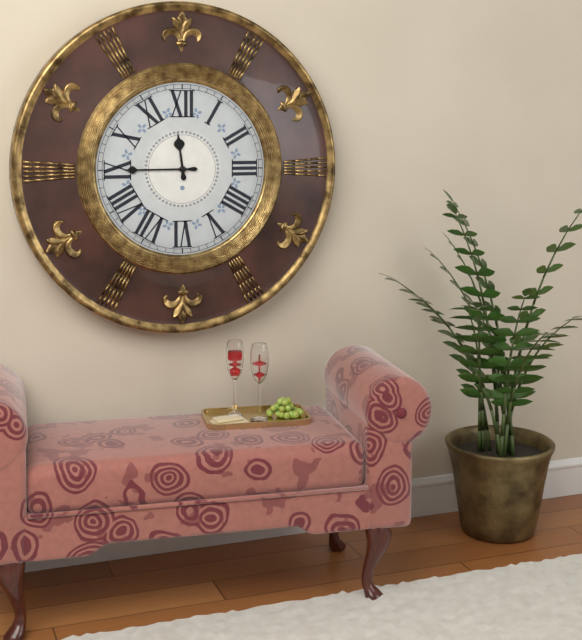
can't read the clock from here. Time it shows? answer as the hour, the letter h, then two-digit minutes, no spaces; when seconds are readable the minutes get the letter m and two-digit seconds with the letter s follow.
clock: 11h45
